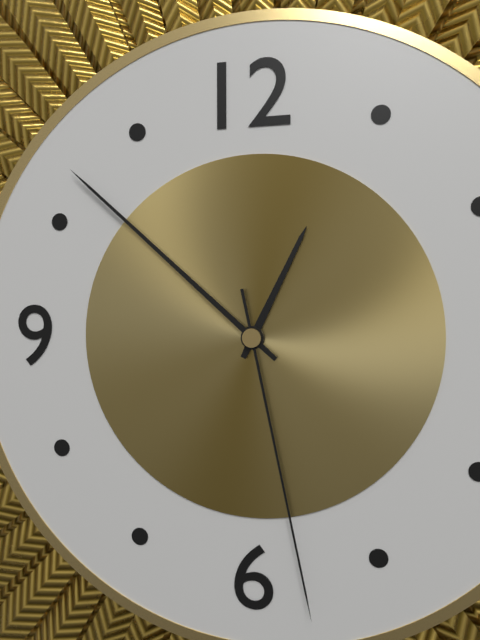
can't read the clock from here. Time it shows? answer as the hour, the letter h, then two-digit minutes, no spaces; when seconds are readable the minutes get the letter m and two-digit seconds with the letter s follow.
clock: 12h52m28s
